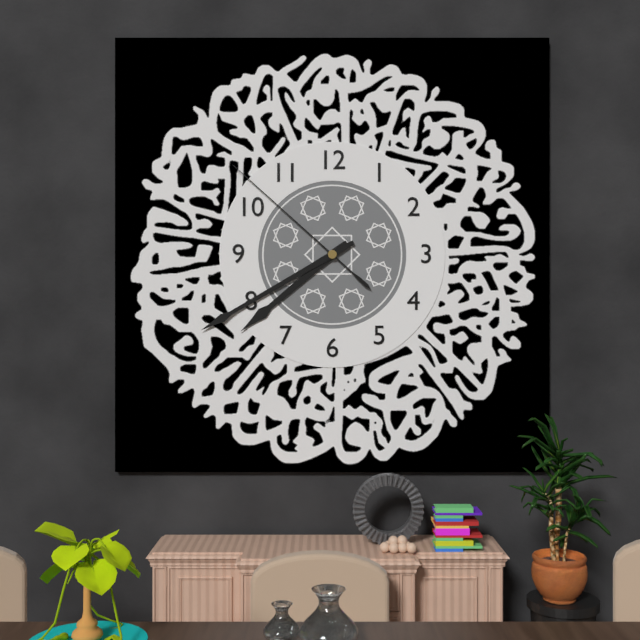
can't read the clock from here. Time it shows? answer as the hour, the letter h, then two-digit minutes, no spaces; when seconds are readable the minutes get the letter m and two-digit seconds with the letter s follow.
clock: 7h40m52s
